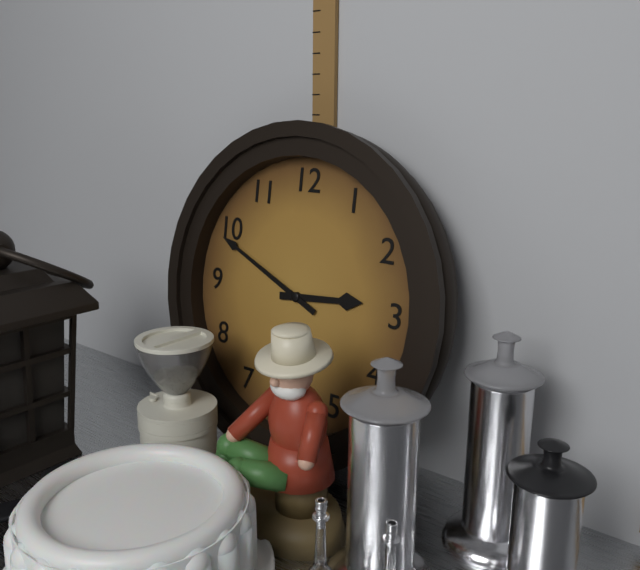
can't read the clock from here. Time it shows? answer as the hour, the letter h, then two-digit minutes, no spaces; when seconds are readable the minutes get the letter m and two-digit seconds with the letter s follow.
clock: 2h49
